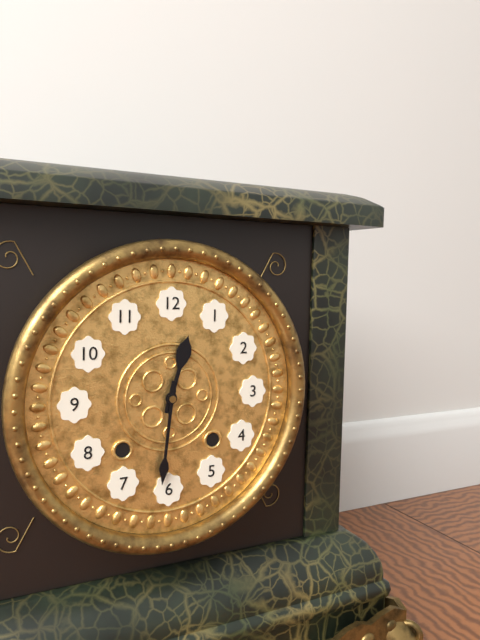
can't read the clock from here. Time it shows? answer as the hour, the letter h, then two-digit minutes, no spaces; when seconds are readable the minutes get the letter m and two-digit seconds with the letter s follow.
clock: 12h31
